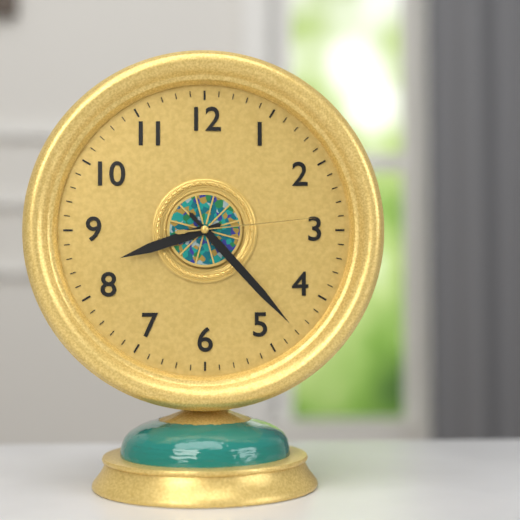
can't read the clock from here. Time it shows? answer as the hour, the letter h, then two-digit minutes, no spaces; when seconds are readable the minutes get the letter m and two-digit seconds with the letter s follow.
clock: 8h23m14s
